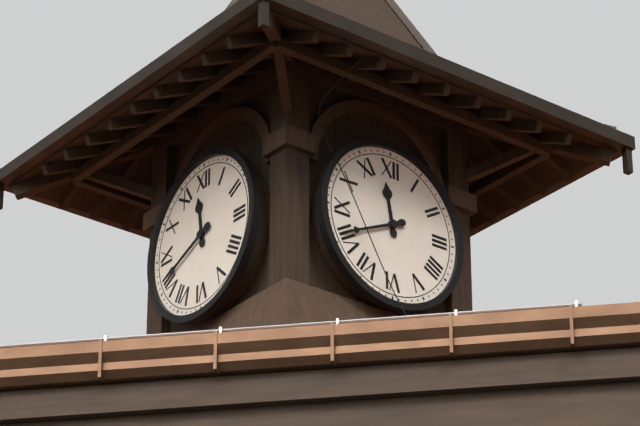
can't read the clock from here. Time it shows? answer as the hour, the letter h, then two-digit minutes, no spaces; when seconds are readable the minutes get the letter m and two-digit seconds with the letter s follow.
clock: 11h41
